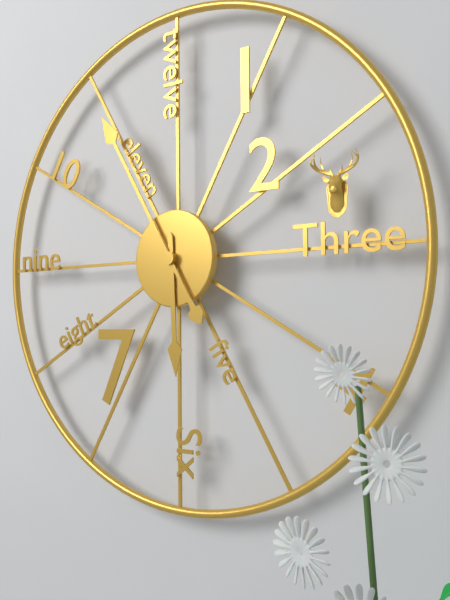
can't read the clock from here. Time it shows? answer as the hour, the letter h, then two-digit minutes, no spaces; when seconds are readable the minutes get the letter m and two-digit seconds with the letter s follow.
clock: 5h55
